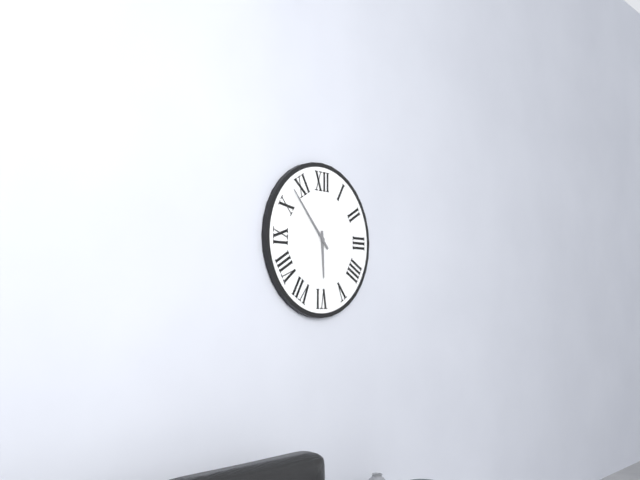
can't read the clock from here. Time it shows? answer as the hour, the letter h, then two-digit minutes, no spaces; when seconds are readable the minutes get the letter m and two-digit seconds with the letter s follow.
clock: 5h53
